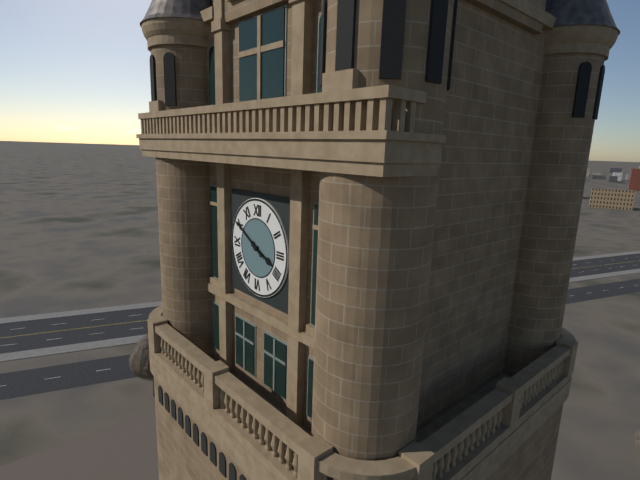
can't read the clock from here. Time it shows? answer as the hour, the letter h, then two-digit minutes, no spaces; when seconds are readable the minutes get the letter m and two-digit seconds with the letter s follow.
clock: 3h50
